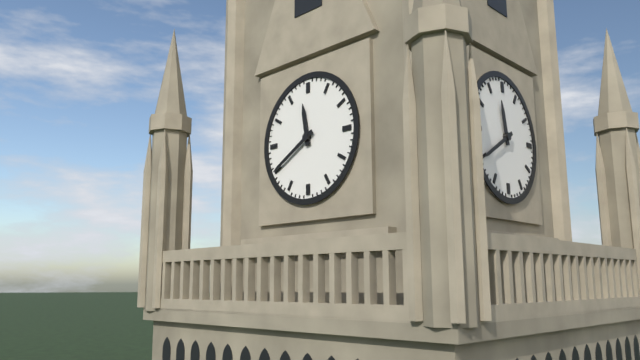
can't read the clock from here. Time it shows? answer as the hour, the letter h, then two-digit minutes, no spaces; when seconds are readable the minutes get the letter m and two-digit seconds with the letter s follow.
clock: 11h40
